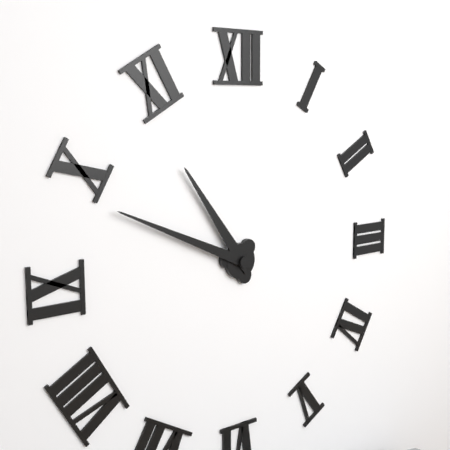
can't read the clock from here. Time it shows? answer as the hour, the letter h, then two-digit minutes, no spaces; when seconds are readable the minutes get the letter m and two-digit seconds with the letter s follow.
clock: 10h49
